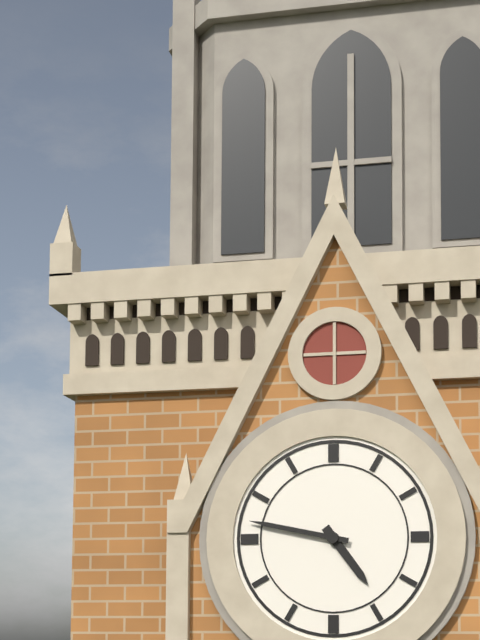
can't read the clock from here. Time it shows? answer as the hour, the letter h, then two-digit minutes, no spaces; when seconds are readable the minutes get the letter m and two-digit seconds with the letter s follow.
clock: 4h47
